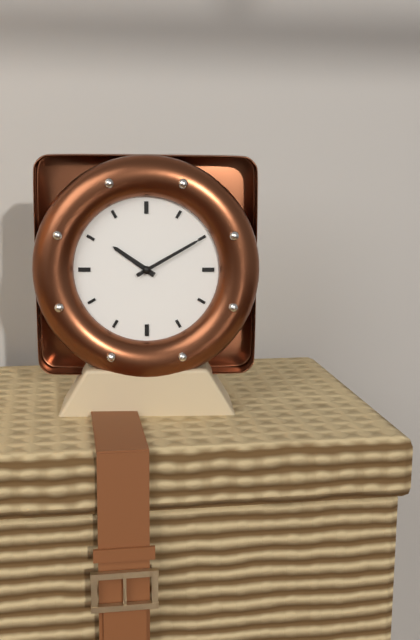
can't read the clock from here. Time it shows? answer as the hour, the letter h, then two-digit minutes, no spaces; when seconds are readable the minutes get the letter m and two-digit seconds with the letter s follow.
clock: 10h10
